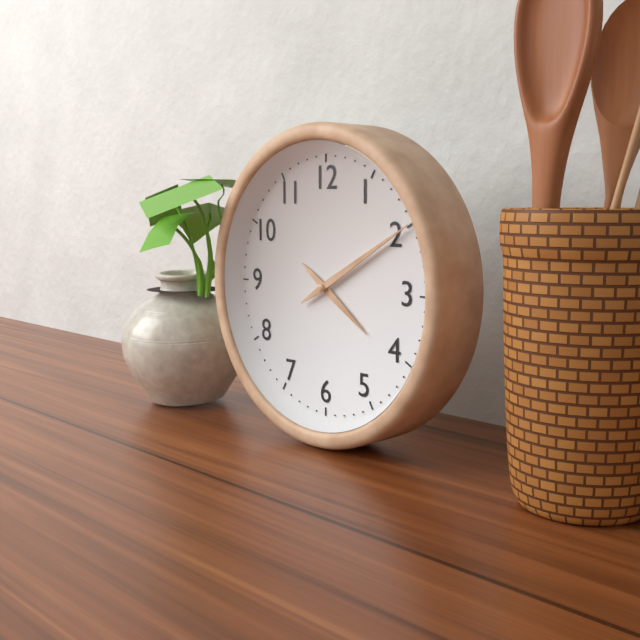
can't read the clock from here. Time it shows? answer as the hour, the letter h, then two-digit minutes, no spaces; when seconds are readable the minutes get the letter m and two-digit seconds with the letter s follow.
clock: 4h10
